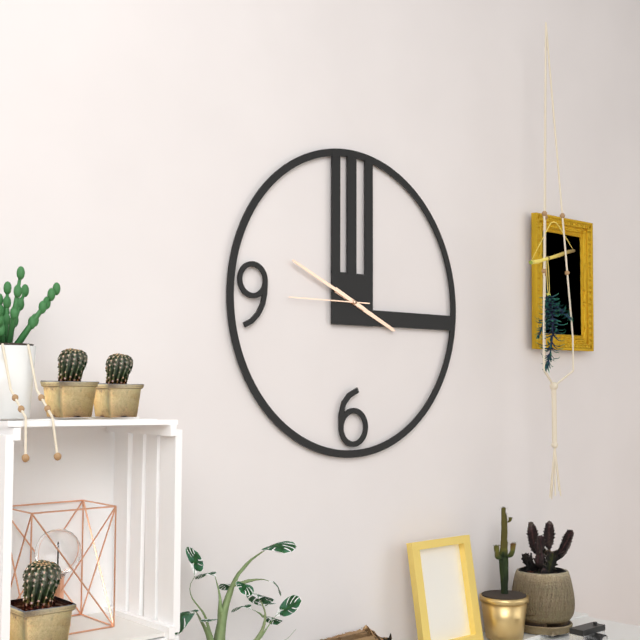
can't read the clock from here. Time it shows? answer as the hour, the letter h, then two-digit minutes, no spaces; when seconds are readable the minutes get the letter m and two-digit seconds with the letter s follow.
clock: 3h49m45s
